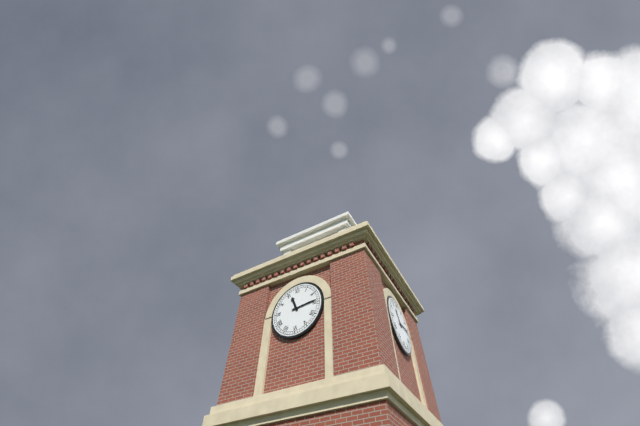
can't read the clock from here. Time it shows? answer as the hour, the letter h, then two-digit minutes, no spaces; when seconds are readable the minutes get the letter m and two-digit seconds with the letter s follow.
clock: 11h14
